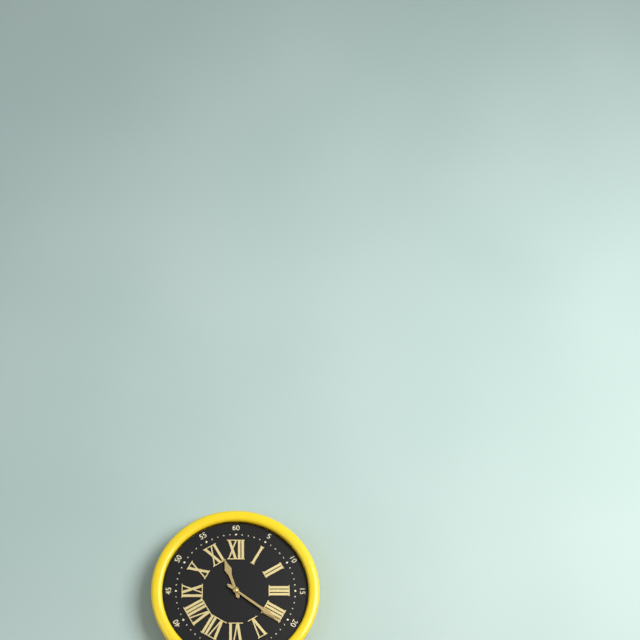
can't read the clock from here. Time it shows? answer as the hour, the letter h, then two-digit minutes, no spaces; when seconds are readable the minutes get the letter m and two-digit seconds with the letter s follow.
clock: 11h21
